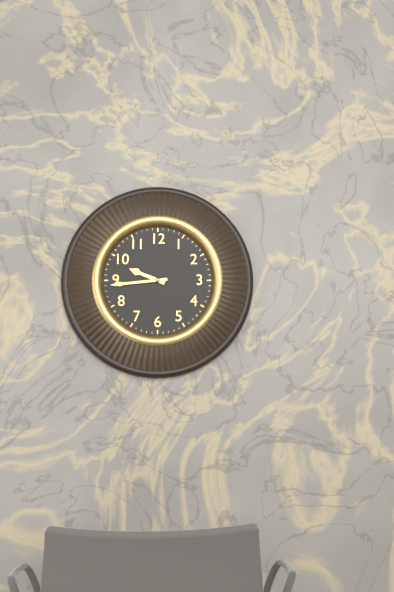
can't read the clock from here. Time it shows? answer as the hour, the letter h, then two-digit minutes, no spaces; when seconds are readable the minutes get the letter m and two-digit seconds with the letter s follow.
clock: 9h44
